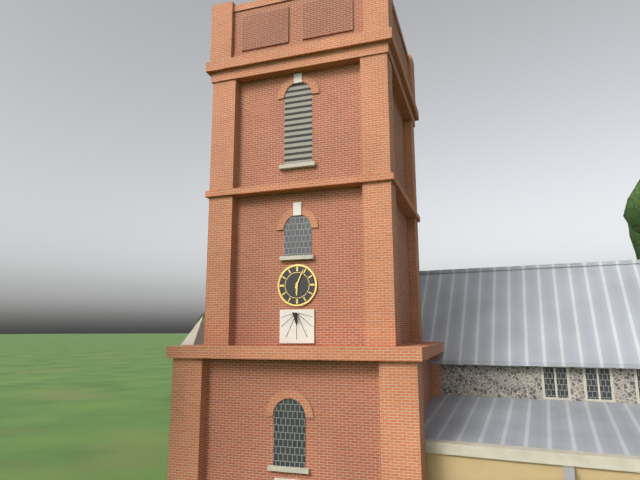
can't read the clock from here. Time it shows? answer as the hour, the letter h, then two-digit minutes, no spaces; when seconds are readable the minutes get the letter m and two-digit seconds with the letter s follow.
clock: 6h04
